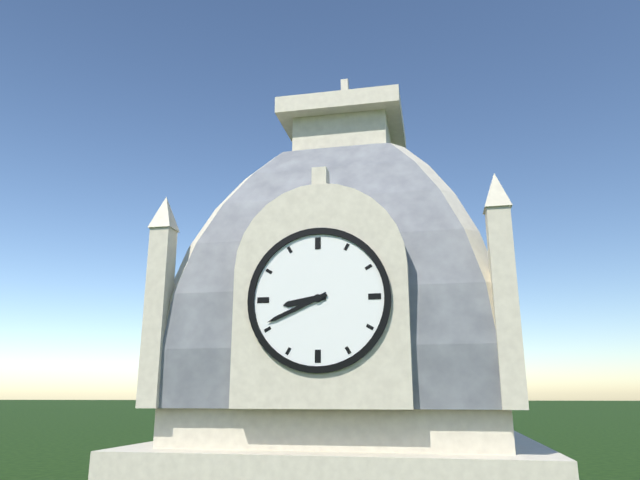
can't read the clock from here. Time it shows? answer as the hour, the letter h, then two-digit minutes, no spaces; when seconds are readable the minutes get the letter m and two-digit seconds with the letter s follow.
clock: 8h41
